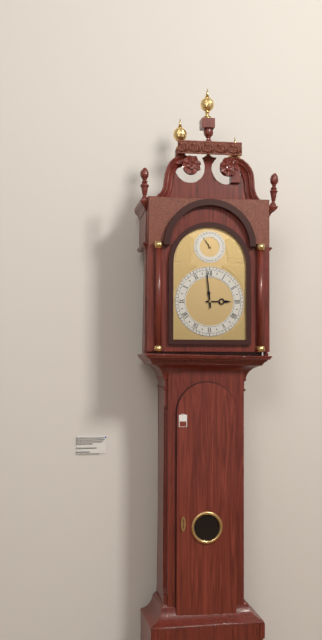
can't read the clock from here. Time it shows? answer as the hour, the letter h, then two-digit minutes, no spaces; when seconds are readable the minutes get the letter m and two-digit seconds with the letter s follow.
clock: 2h59
